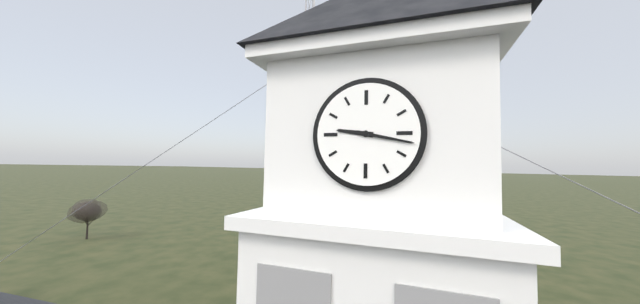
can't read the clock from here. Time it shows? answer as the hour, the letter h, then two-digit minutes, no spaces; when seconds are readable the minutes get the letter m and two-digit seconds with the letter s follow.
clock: 9h17
